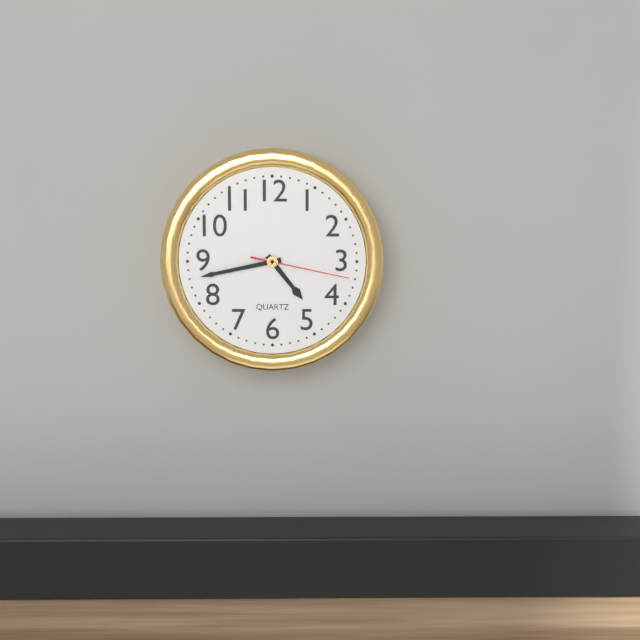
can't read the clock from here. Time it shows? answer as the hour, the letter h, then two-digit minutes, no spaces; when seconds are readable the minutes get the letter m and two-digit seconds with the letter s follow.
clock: 4h43m17s
